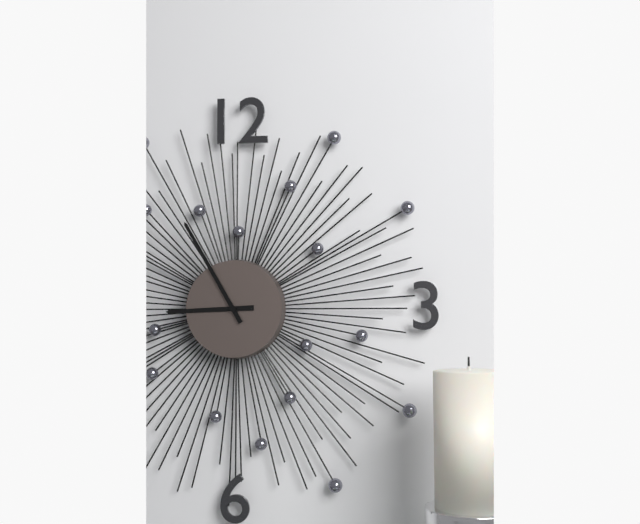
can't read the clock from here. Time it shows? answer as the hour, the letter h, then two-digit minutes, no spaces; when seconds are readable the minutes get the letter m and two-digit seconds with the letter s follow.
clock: 8h55
